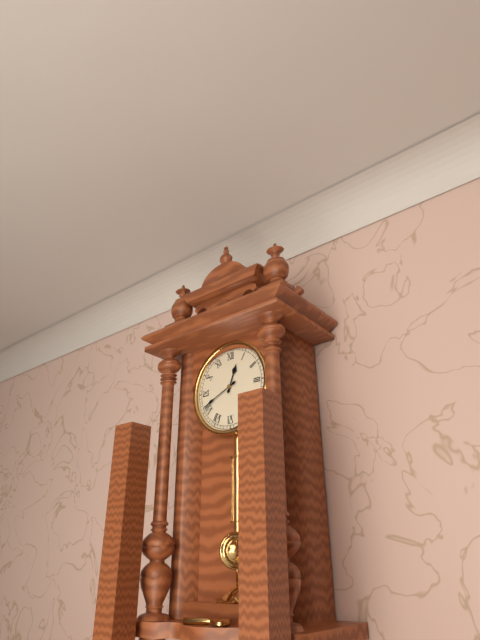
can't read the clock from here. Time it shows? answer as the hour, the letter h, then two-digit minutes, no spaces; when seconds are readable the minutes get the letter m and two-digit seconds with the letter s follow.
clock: 12h41
